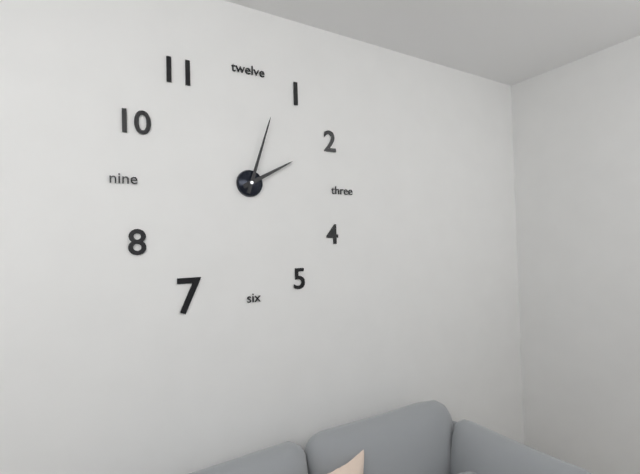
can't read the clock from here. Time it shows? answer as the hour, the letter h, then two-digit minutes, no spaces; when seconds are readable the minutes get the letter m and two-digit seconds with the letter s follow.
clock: 2h03
